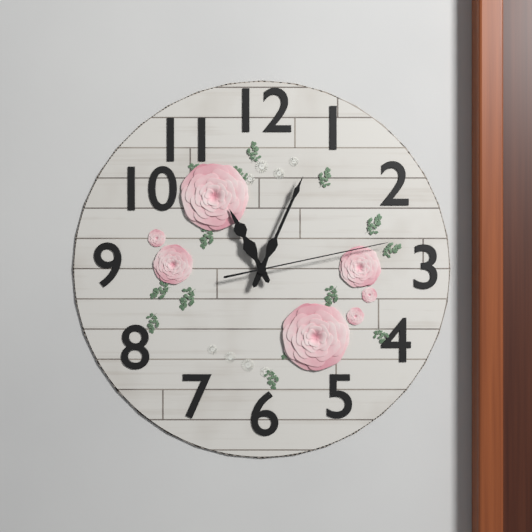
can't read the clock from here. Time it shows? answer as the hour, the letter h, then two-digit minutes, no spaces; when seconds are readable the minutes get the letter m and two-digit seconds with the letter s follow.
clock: 11h04m13s
